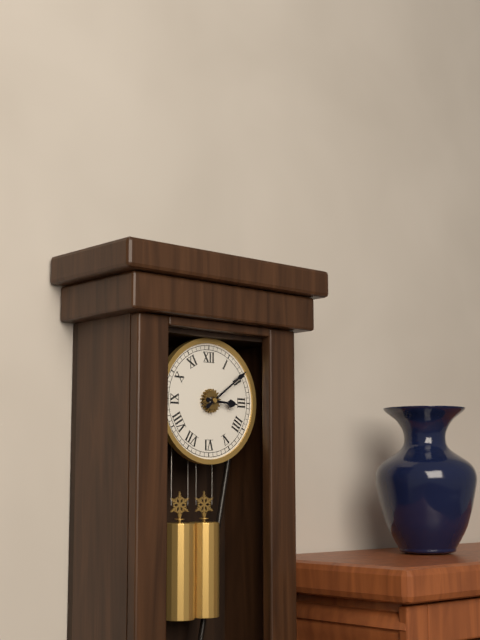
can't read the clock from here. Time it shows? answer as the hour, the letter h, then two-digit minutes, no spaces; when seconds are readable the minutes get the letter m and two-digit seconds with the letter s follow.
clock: 3h09
